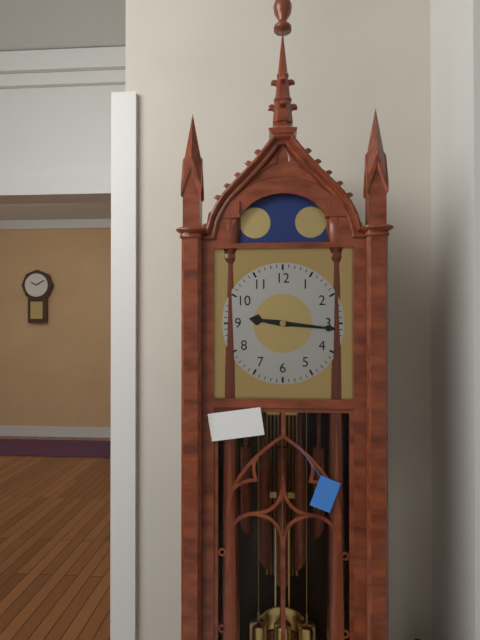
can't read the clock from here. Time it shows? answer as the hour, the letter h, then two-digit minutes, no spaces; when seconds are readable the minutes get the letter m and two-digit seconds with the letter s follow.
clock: 9h16
